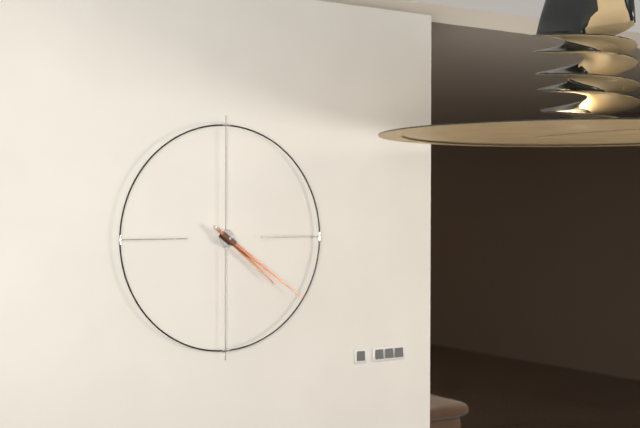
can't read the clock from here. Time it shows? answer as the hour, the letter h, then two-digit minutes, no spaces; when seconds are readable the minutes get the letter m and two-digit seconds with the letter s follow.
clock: 4h21
